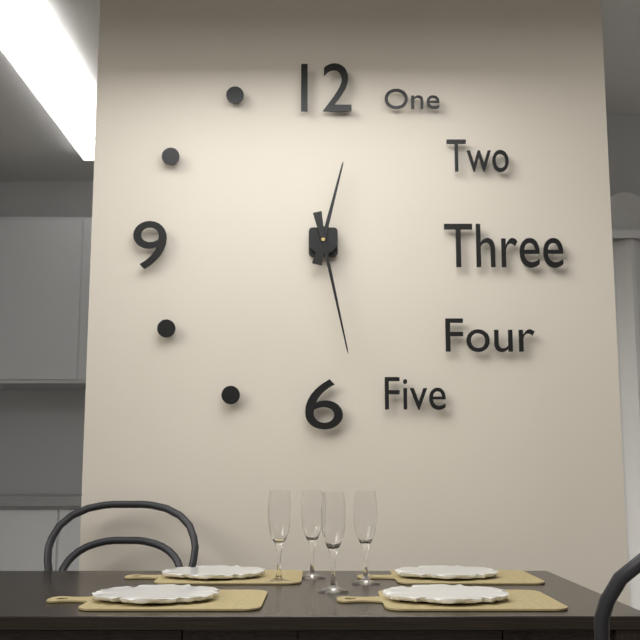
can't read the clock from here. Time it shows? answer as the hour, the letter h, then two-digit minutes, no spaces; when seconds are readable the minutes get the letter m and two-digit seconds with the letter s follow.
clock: 12h28
